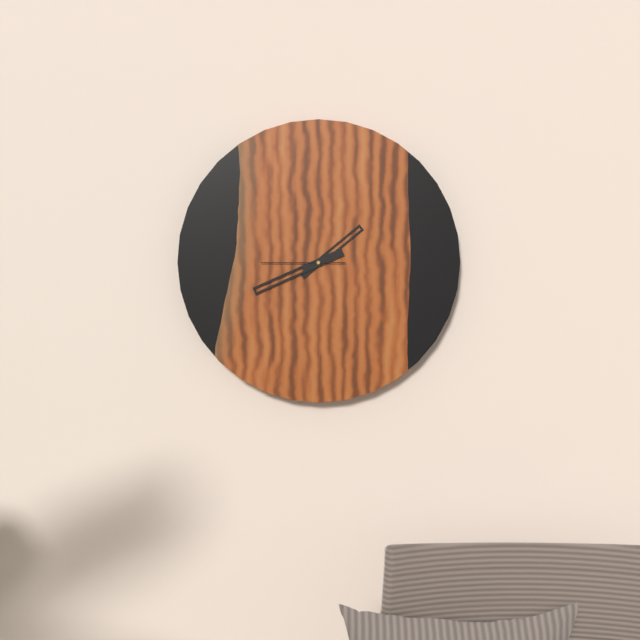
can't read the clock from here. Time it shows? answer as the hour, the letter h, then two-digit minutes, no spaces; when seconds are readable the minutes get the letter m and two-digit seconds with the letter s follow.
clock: 1h41m45s
